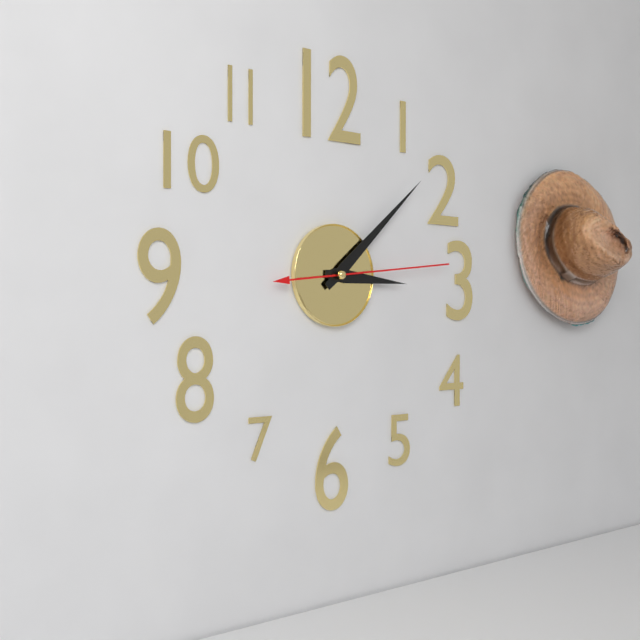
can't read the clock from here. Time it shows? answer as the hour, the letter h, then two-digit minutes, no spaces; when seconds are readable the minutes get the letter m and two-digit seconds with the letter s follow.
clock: 3h08m14s
